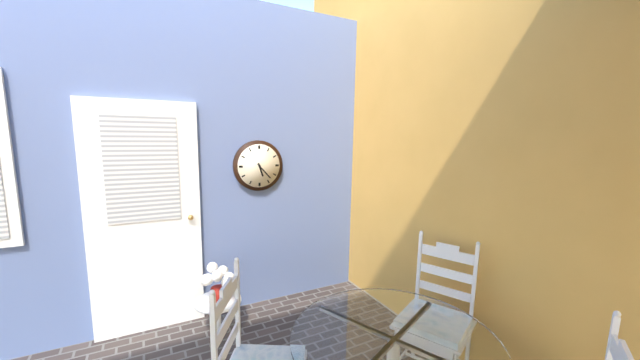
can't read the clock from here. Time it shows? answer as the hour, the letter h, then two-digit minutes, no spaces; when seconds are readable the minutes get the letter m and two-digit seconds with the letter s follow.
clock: 5h23
